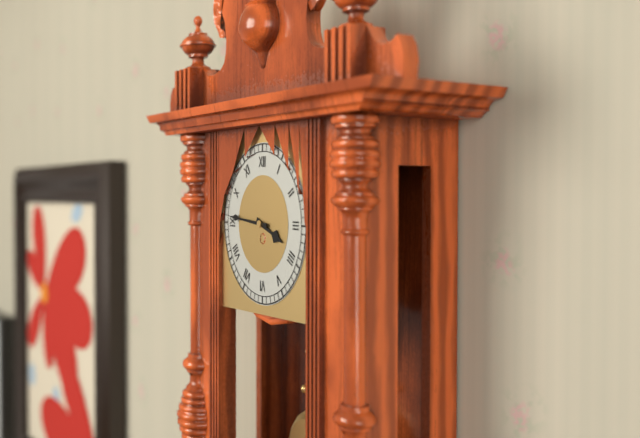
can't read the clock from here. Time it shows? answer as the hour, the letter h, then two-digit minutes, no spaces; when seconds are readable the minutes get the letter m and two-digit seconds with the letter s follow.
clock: 3h46
